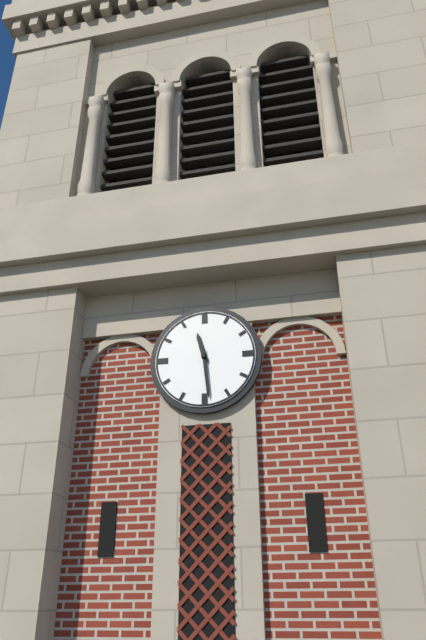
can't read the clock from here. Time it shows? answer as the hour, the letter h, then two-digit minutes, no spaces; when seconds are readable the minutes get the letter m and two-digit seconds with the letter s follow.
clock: 11h29
